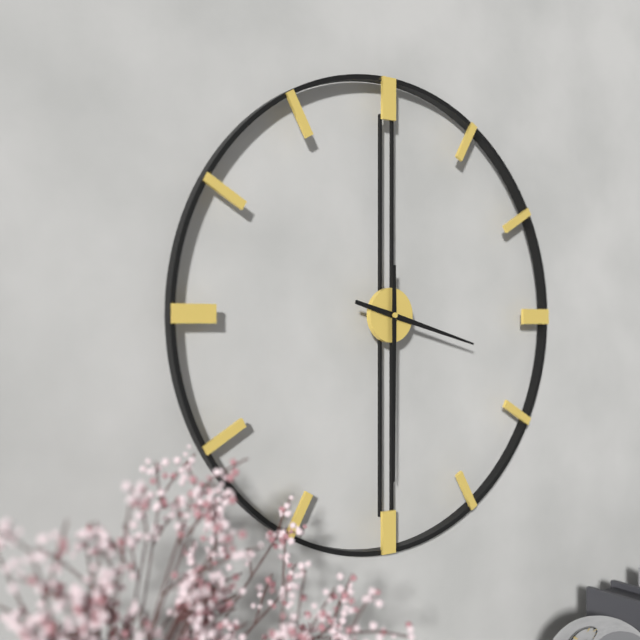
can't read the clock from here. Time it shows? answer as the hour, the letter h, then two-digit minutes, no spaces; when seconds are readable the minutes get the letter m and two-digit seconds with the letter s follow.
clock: 3h30
